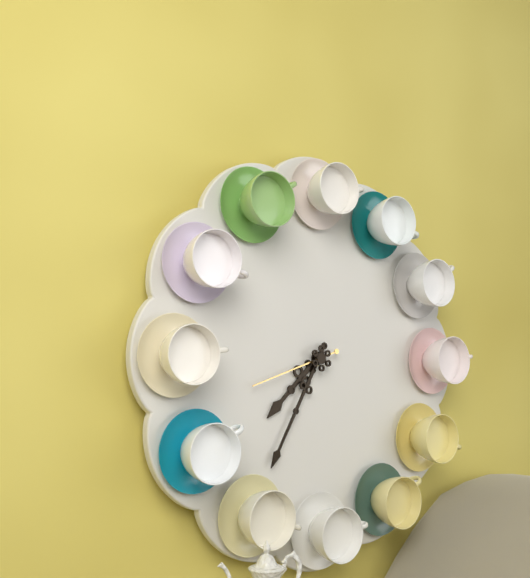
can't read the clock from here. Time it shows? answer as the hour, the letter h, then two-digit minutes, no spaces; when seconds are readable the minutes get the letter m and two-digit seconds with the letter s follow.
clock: 7h35m42s
